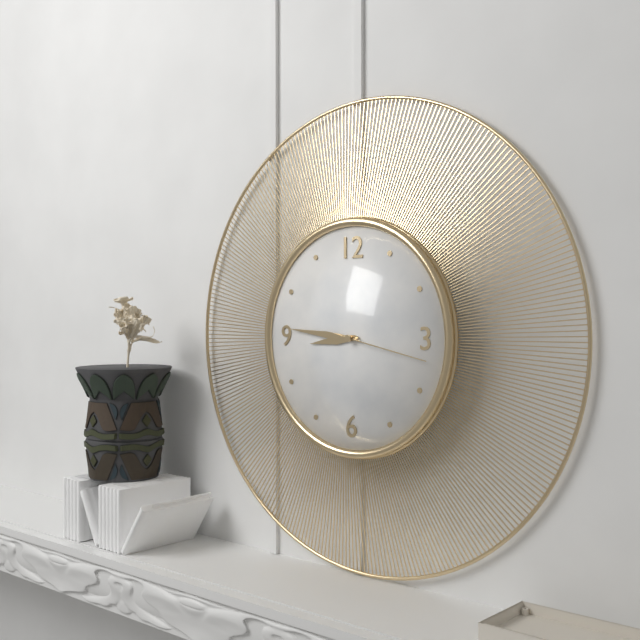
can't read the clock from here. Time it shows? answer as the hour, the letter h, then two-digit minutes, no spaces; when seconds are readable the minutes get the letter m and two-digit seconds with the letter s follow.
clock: 8h46m17s
